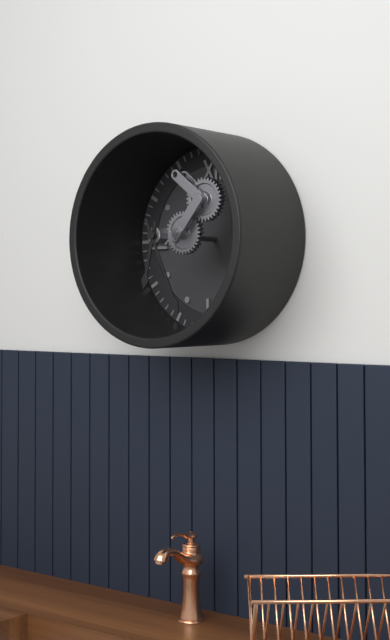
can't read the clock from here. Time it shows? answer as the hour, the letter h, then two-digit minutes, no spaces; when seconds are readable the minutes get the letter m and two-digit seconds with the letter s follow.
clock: 6h26
